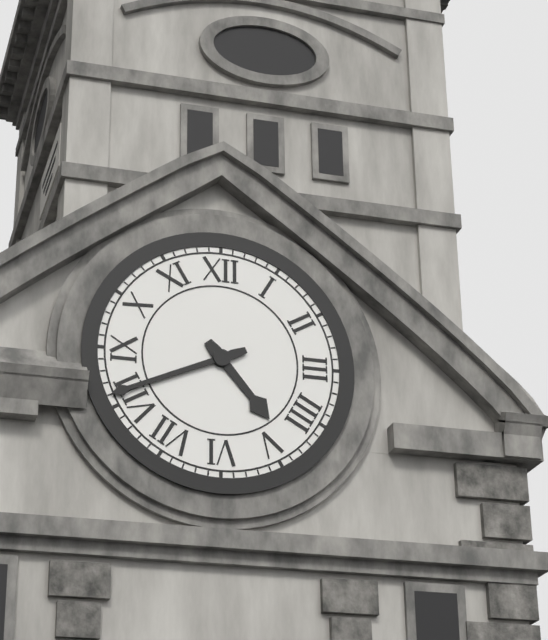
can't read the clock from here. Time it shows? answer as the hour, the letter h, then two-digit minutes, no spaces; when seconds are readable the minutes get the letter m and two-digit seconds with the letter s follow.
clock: 4h41
